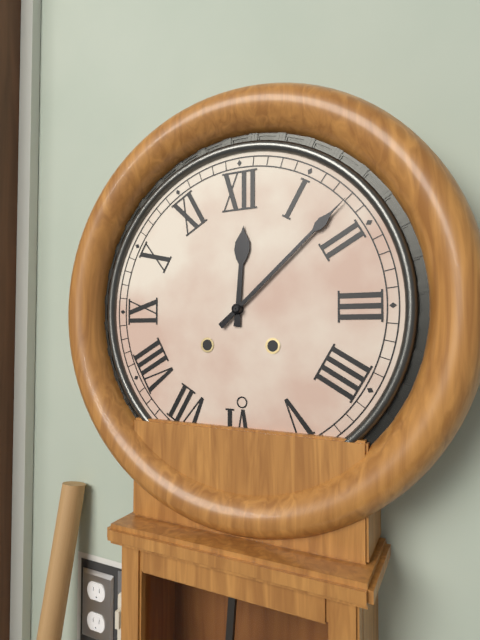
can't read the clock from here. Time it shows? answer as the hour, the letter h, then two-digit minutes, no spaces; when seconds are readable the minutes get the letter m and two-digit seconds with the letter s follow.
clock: 12h08
